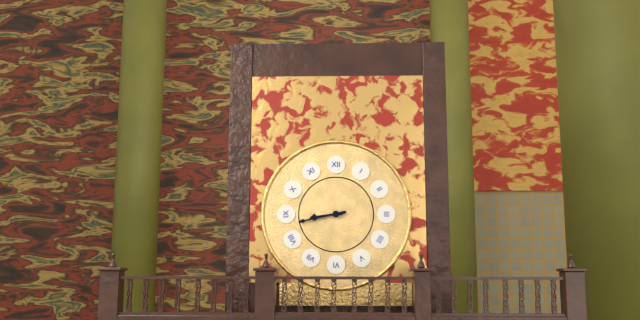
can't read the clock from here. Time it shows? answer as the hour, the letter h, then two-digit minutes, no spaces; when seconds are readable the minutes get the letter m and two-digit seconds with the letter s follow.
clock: 8h43
